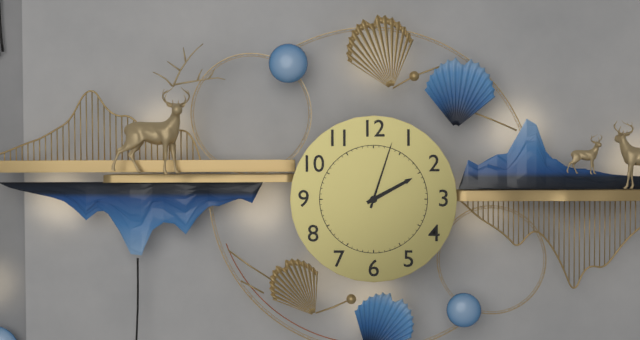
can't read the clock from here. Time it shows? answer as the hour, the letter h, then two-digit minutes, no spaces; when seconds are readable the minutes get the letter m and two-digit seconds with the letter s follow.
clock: 2h03
